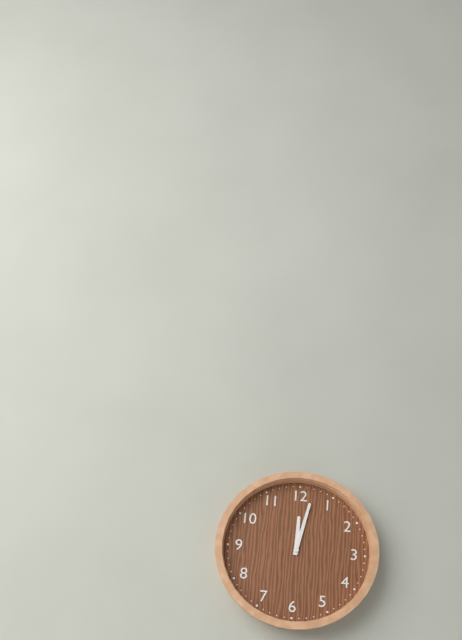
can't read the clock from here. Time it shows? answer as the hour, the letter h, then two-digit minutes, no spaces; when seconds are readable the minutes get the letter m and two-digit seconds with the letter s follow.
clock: 12h02
